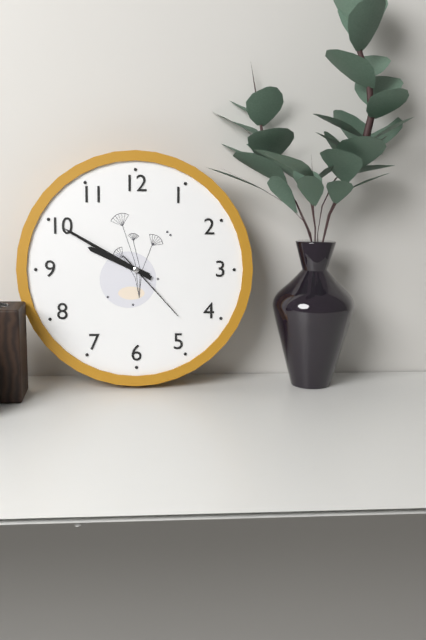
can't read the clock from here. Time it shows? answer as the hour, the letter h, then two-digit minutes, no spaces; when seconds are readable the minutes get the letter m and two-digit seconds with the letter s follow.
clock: 9h50m23s
